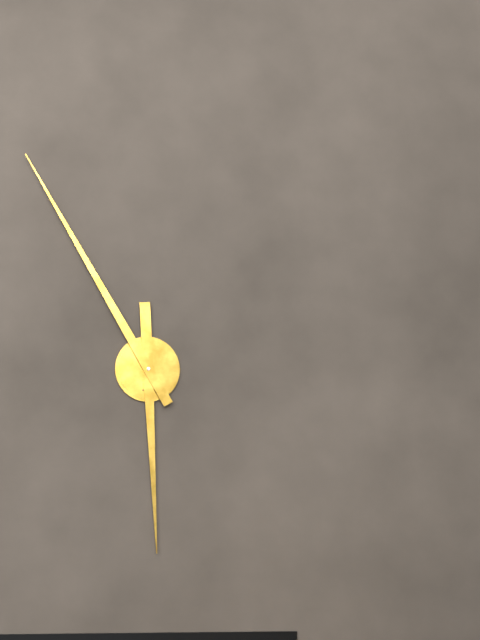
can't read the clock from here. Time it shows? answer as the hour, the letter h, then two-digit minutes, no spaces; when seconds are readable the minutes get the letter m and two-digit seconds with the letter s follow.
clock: 5h55
